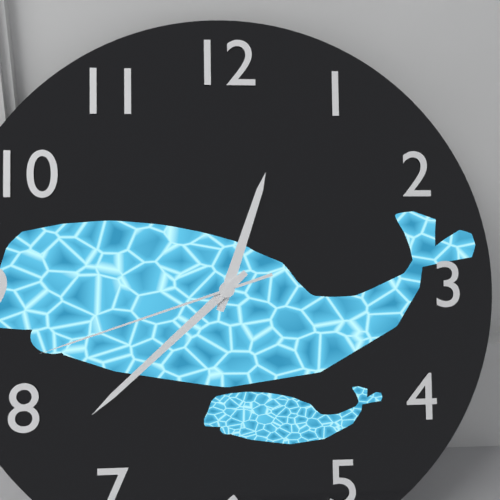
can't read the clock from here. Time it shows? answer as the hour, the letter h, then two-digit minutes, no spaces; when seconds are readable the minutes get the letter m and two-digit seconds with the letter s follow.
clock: 12h38m42s
